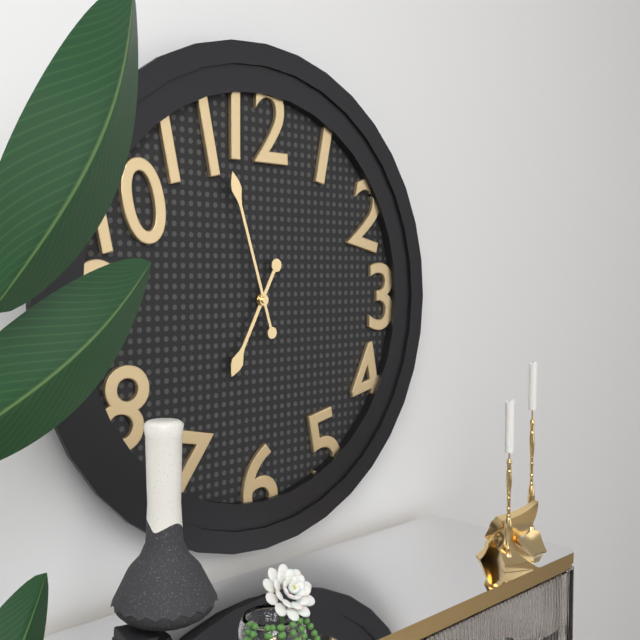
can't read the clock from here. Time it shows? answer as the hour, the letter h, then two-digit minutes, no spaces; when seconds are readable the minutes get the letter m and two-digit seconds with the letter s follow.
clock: 6h57
